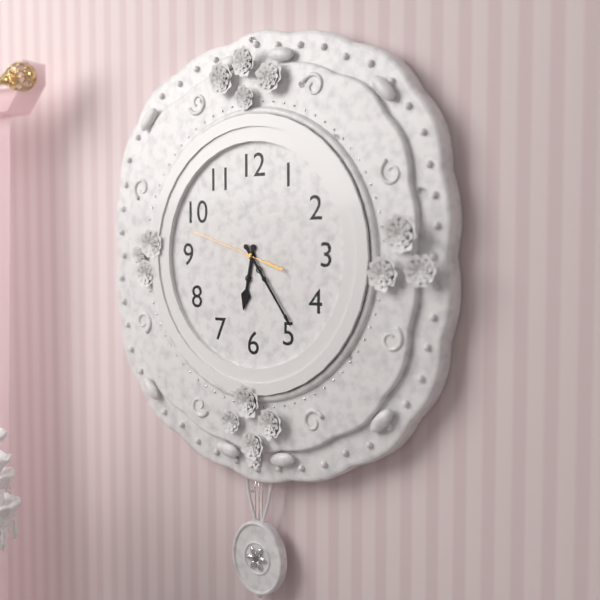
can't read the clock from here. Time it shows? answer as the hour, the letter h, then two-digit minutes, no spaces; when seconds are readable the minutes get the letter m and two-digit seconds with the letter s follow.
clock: 6h24m48s
